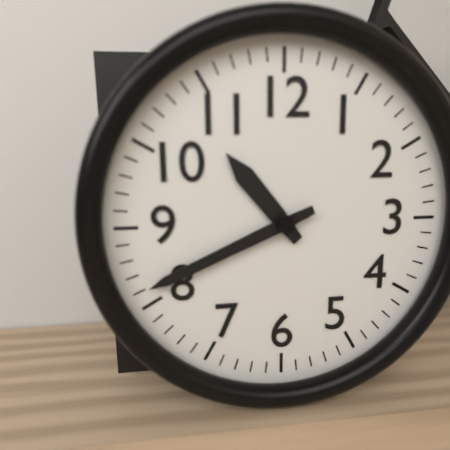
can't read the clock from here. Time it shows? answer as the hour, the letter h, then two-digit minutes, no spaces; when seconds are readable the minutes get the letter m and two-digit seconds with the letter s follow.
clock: 10h41
